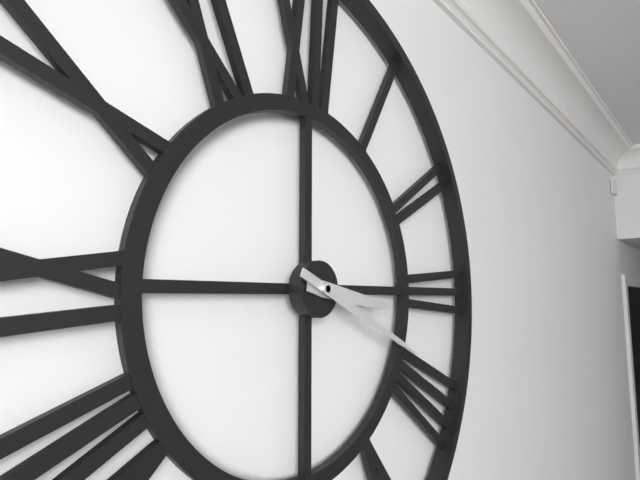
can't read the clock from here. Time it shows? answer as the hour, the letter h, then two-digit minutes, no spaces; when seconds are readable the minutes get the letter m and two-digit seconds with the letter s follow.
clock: 3h19
